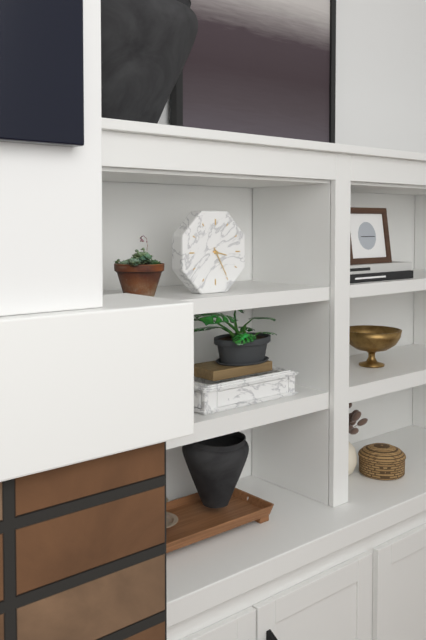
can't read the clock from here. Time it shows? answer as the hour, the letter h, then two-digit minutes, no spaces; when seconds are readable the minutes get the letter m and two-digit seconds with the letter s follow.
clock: 3h25
